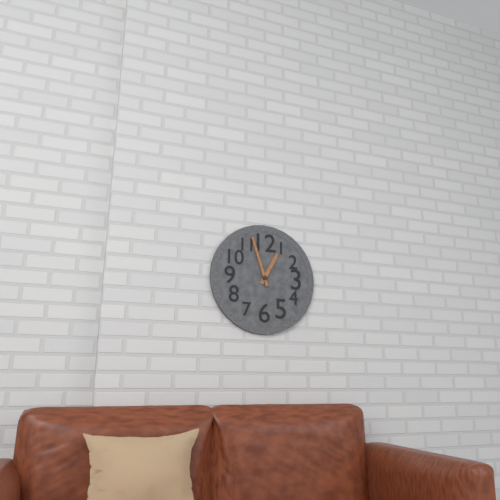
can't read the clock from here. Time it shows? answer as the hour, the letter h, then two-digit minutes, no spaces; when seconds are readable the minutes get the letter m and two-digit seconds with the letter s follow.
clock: 12h57
